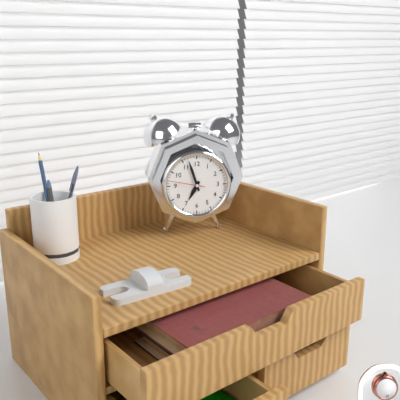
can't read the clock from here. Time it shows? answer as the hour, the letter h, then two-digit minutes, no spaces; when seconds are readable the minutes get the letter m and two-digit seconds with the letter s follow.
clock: 6h57
